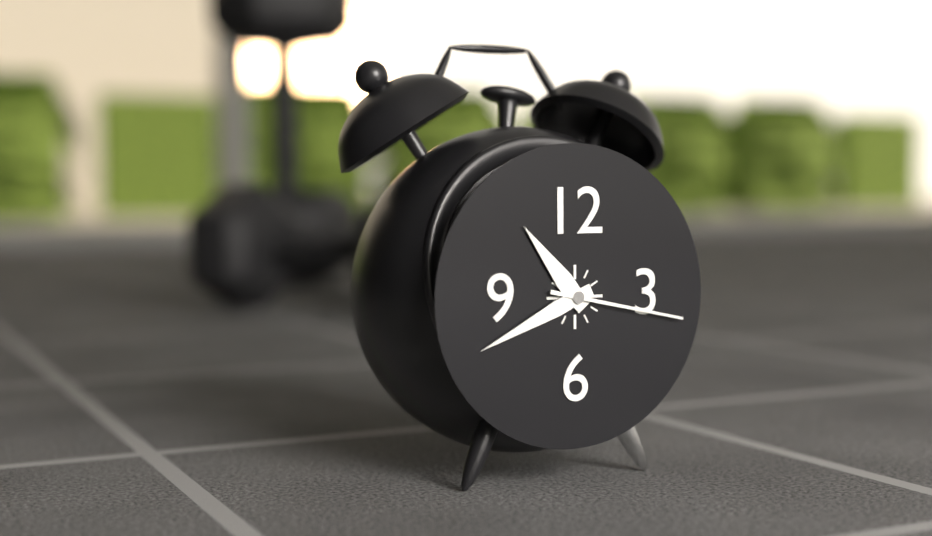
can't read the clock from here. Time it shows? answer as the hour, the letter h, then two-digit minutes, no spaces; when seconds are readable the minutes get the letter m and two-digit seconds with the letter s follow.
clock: 10h41m17s
